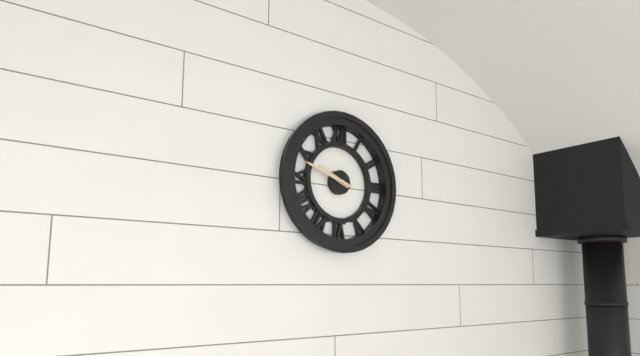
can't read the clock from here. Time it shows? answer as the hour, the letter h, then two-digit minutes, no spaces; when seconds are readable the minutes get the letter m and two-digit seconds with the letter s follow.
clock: 9h48
